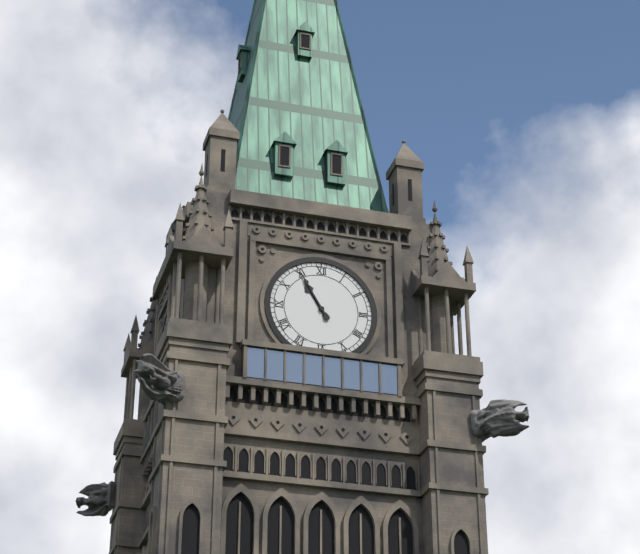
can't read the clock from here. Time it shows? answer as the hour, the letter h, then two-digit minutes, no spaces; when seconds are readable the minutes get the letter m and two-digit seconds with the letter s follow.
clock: 10h55
